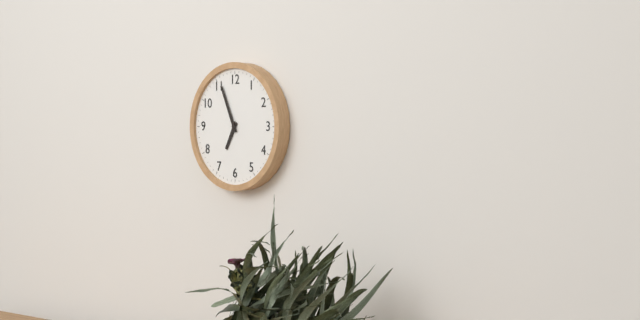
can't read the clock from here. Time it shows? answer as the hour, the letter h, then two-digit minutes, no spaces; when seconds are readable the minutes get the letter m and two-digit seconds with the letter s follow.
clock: 6h56
